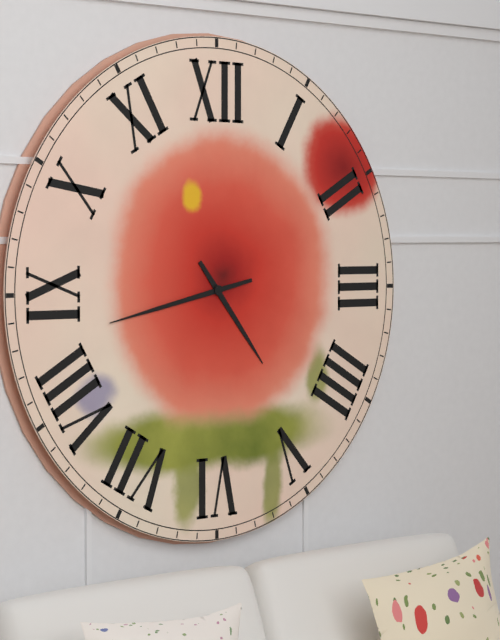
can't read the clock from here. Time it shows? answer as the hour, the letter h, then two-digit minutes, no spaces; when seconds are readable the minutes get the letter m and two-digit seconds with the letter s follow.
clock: 4h43
